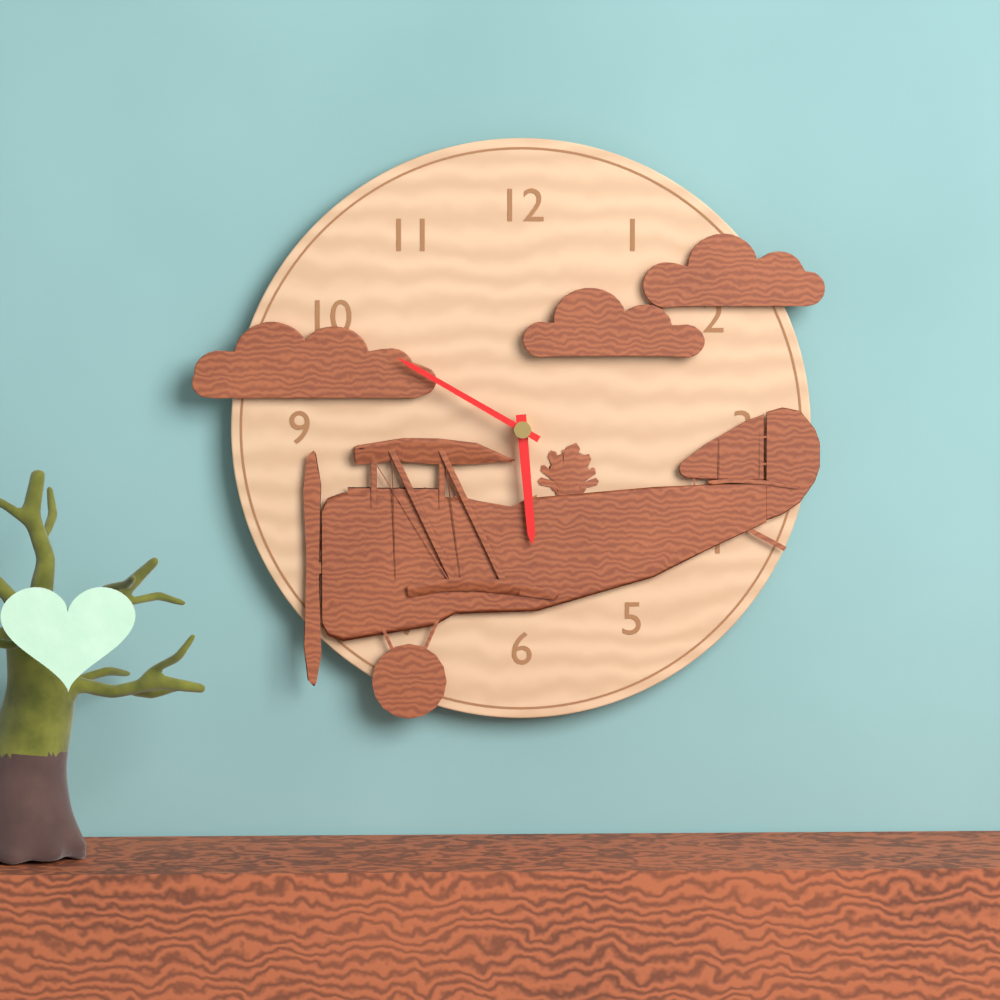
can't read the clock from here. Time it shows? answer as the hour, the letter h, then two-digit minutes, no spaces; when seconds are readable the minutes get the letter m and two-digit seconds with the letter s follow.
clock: 5h50
